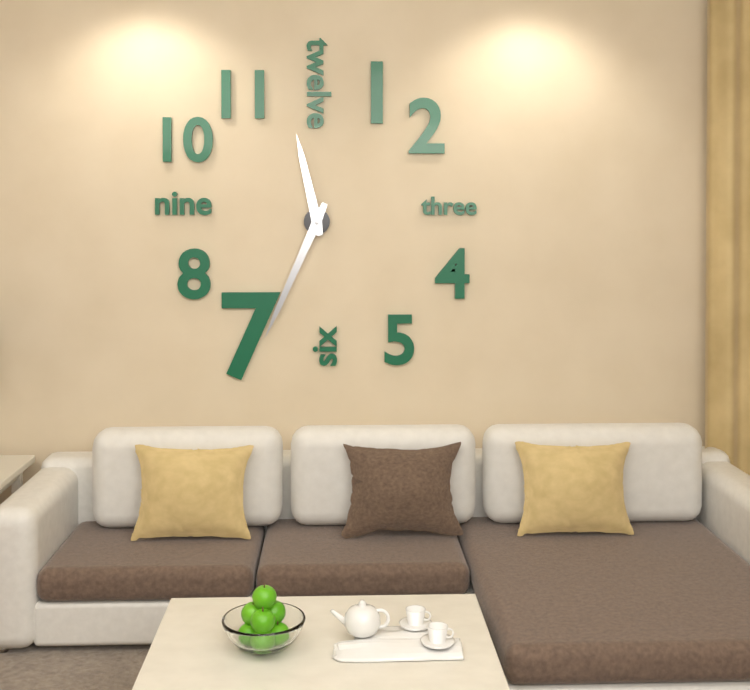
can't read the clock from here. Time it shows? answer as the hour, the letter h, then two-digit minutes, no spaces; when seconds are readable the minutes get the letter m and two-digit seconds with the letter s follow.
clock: 11h34
